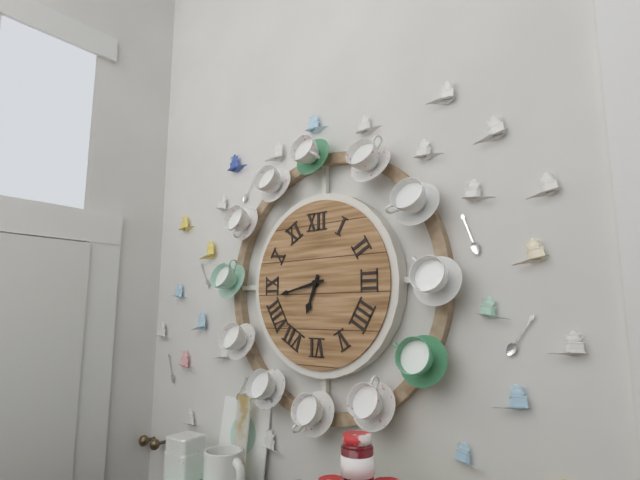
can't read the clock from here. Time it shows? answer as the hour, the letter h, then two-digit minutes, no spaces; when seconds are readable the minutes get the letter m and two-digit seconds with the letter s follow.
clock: 6h43
